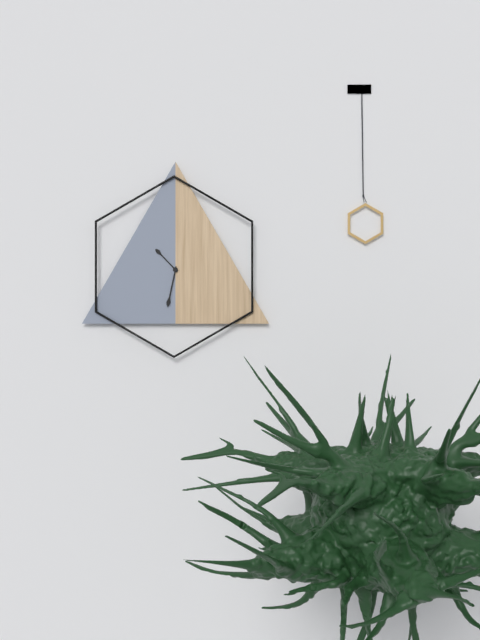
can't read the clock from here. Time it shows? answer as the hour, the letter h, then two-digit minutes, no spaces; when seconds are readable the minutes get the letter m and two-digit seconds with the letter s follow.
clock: 10h32
